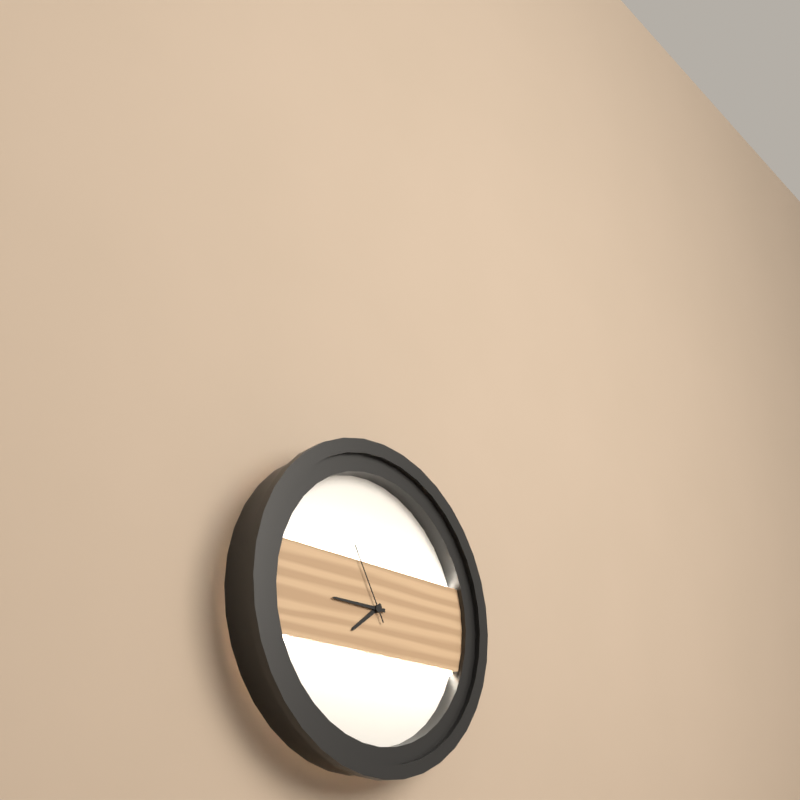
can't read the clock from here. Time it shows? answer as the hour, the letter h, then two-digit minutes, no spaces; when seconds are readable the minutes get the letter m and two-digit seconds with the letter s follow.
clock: 7h45m55s
